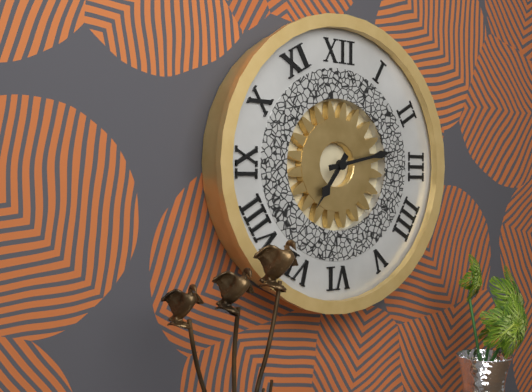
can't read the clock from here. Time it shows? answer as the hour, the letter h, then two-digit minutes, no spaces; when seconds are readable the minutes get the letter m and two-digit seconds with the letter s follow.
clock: 7h13
